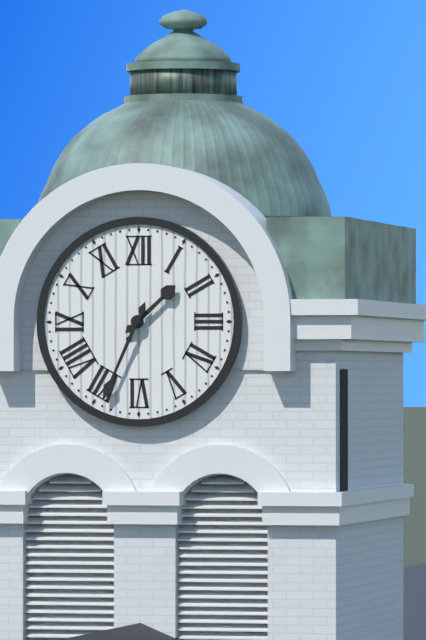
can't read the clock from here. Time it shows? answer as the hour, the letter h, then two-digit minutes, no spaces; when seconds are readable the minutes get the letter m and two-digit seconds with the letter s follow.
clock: 1h34
